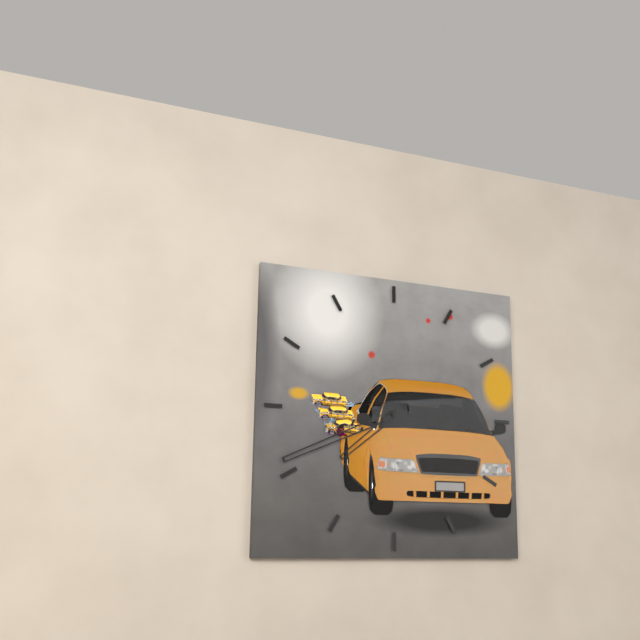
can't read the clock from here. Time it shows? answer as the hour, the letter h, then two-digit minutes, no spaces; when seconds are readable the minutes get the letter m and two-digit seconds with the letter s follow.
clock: 7h41
